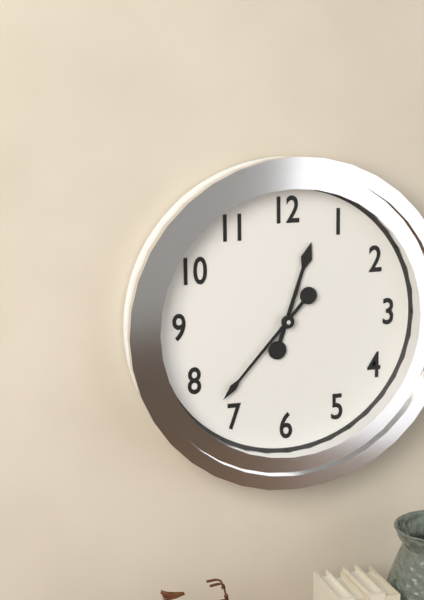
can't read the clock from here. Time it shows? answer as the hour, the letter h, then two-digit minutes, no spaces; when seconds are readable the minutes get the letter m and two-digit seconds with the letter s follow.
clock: 12h37
